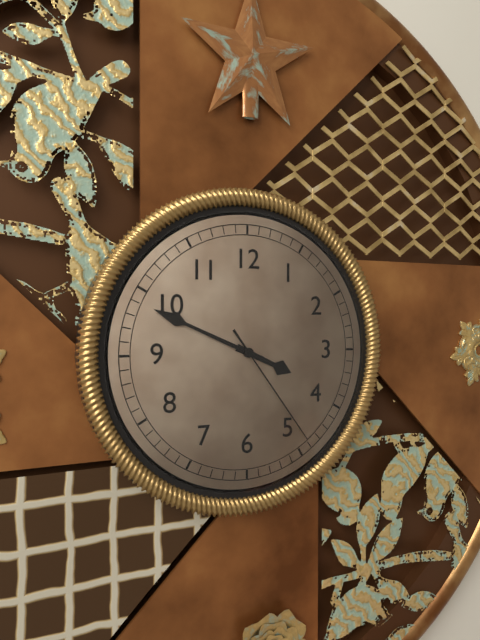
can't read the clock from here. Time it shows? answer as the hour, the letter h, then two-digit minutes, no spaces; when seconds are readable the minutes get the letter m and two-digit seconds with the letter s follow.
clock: 3h49m24s
